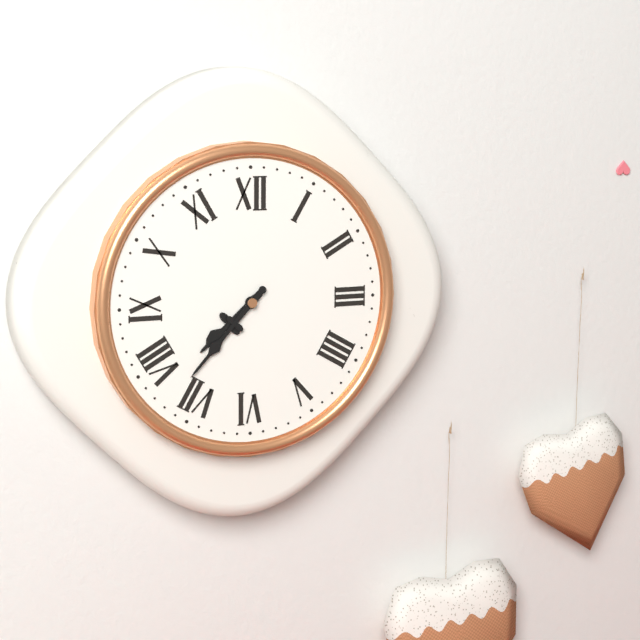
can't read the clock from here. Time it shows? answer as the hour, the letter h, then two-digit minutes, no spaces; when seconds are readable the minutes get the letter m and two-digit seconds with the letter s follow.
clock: 7h37
